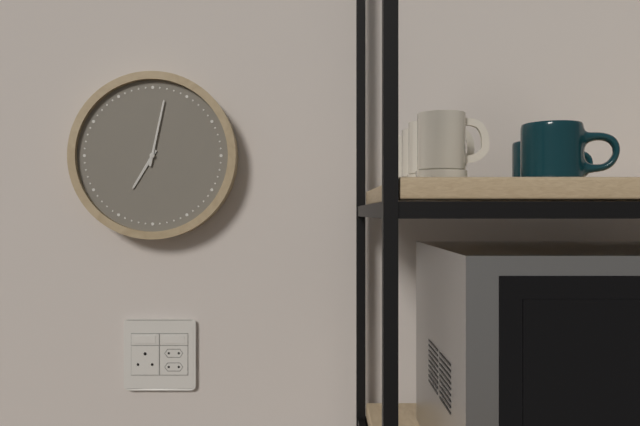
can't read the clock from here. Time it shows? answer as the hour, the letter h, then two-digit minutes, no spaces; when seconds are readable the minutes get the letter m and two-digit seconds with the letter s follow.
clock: 7h02
